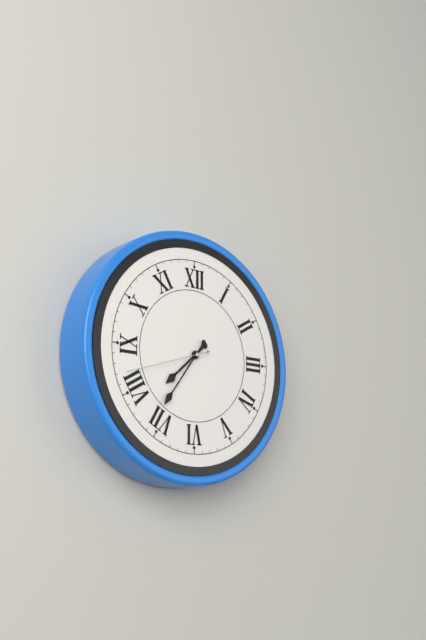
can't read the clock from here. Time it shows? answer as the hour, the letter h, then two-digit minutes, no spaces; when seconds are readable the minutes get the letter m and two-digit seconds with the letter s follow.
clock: 7h36m42s
